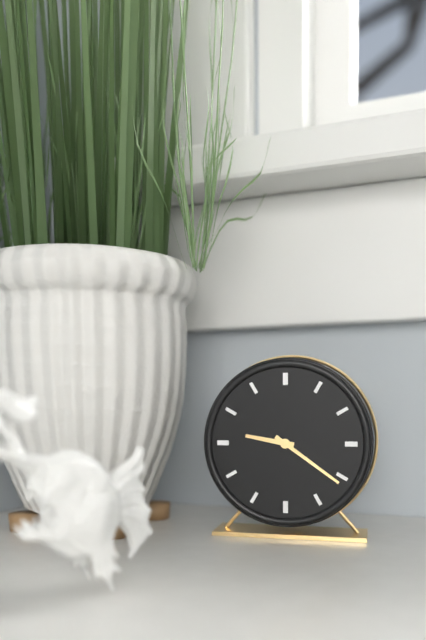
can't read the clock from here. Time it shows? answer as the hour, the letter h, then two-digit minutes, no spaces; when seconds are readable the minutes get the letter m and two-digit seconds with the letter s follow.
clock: 9h21
